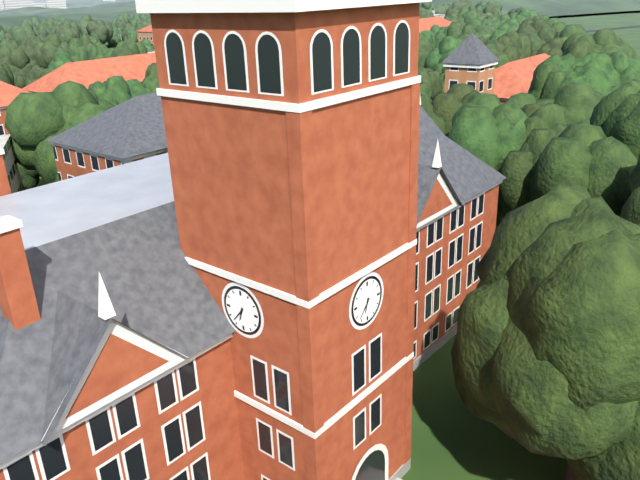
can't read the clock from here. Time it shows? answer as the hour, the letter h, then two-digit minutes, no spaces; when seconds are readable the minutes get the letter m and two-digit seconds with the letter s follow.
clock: 6h37
